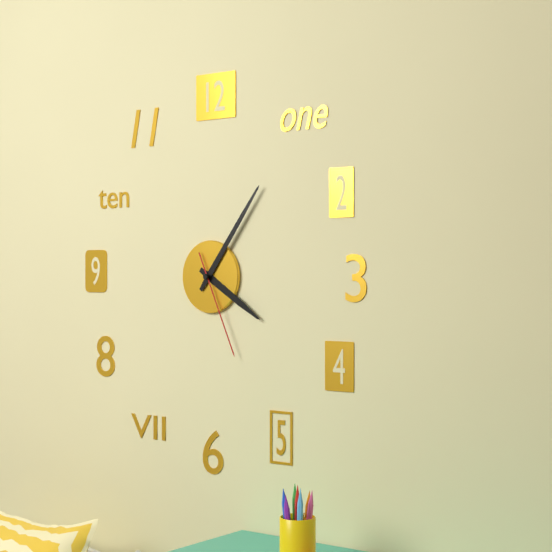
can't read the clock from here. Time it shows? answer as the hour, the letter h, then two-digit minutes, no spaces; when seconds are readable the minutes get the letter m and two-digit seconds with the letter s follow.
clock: 4h06m26s
